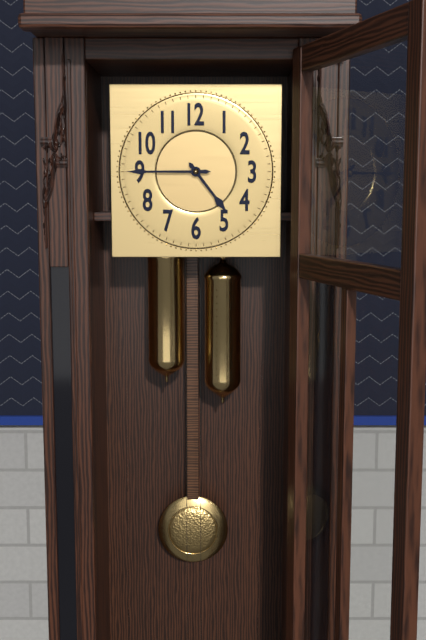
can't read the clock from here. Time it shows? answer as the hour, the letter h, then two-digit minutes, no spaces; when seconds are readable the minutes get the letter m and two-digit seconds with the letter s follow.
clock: 4h45
